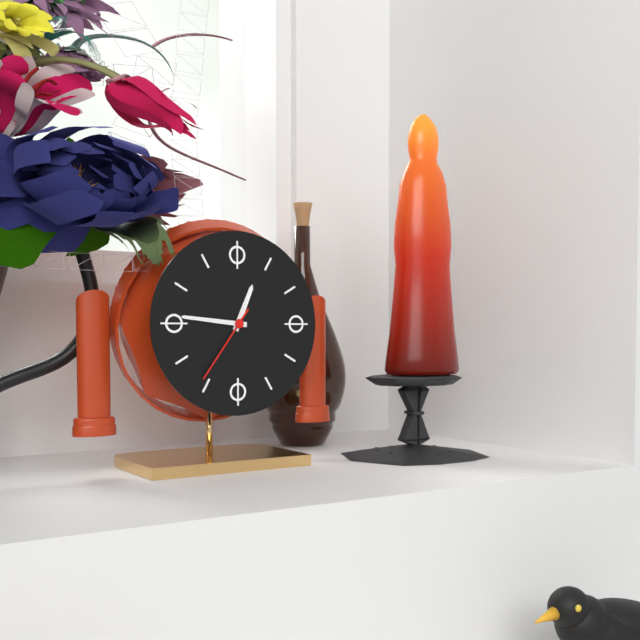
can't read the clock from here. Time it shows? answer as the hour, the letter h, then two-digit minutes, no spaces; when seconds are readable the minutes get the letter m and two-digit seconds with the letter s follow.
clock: 12h46m36s
